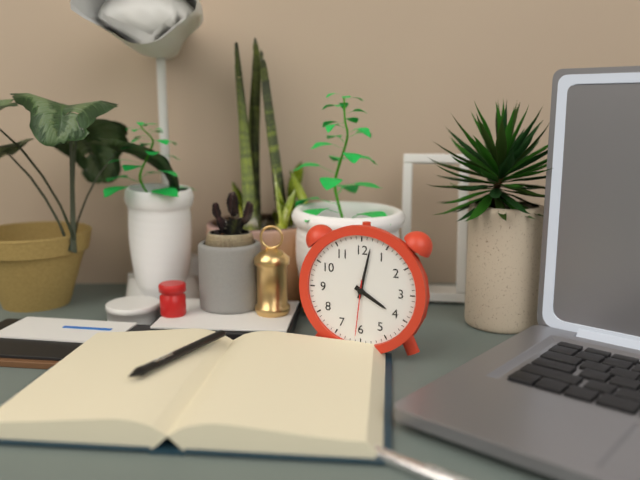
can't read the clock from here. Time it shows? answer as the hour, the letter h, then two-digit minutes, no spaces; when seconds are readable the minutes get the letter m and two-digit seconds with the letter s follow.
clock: 4h02m31s
